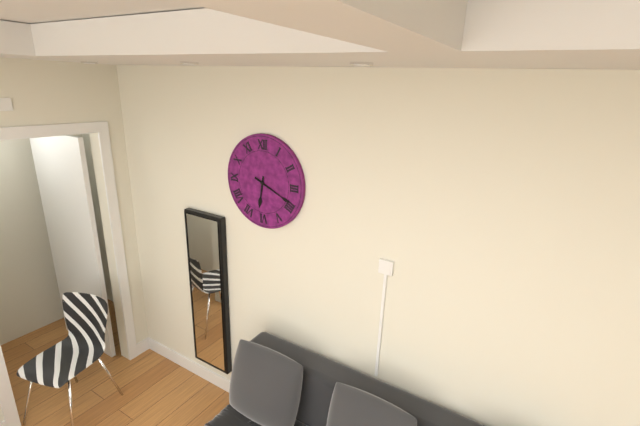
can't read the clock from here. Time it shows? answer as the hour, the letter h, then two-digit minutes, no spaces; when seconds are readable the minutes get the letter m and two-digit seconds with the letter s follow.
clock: 6h19
